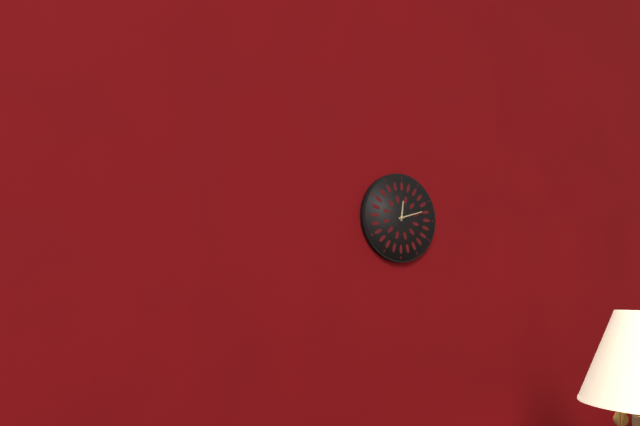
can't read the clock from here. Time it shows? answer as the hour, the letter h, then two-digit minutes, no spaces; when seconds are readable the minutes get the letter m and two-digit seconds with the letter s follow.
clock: 12h12
